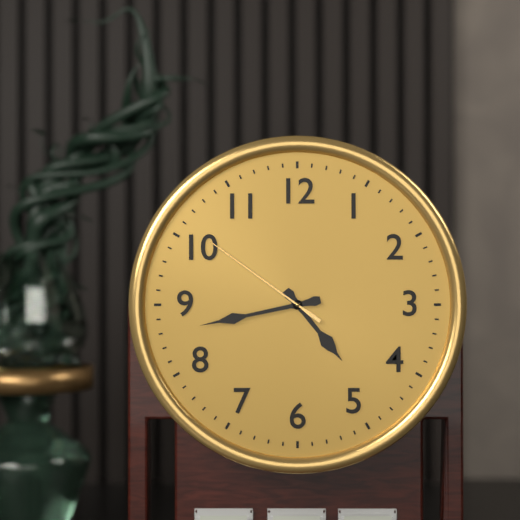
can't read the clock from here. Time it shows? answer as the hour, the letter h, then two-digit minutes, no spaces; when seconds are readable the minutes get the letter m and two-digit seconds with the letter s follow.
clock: 4h43m51s
